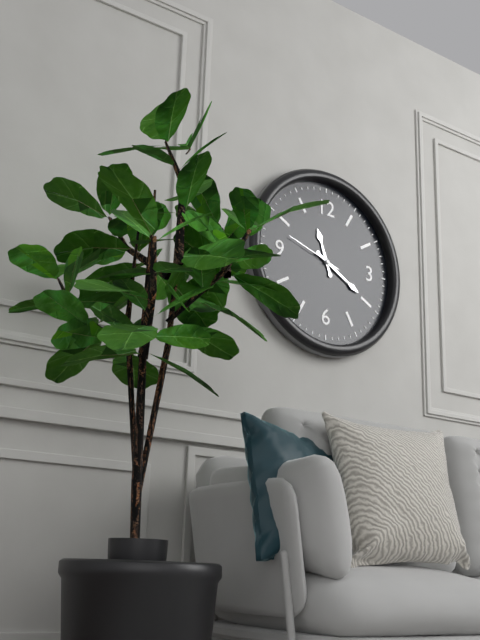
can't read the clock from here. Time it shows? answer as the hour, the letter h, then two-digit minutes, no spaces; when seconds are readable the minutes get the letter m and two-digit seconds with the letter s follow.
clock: 11h20m48s
